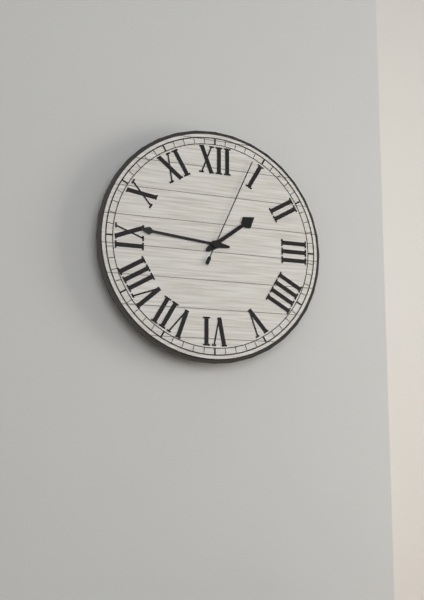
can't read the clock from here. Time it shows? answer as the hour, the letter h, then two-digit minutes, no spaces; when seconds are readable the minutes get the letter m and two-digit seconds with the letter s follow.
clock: 1h46m04s
